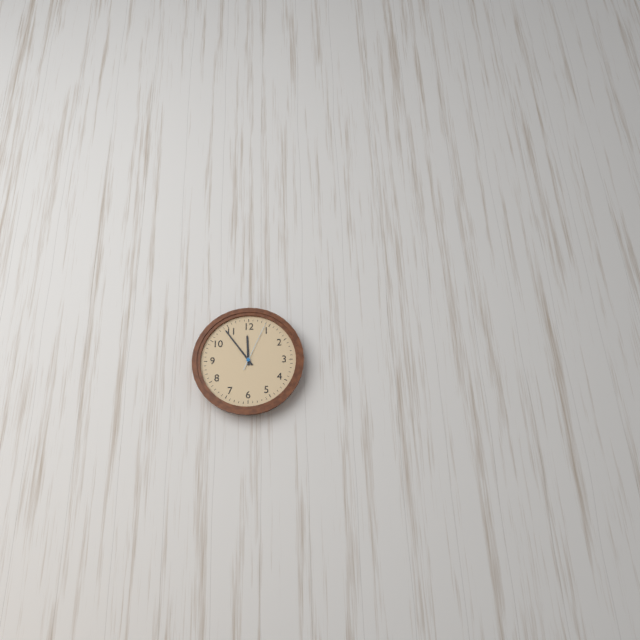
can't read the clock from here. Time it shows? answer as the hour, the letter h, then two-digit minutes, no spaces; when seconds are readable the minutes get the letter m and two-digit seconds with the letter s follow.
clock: 11h54m04s
